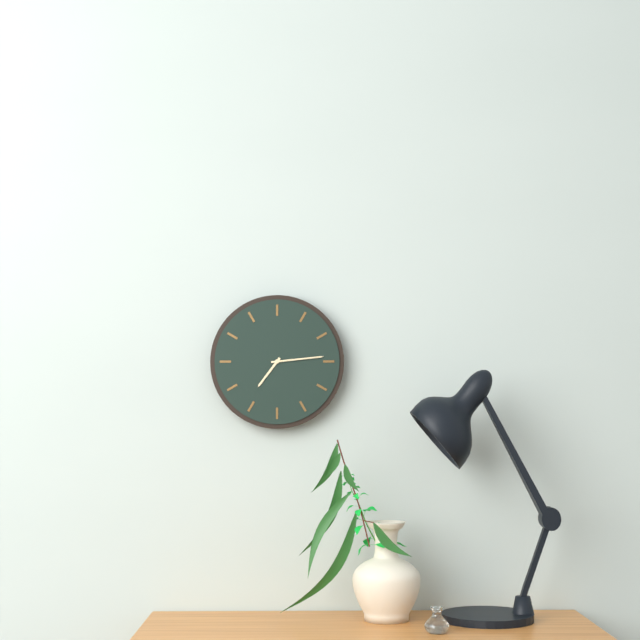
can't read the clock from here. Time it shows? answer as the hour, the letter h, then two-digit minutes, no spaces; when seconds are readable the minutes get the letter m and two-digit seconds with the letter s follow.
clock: 7h14
